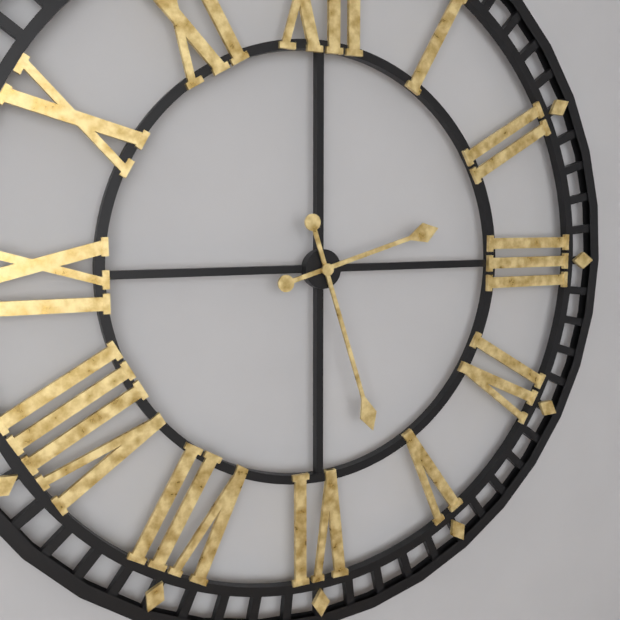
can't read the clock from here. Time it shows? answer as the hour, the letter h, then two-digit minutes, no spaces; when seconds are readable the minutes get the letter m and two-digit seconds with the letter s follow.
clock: 2h27
